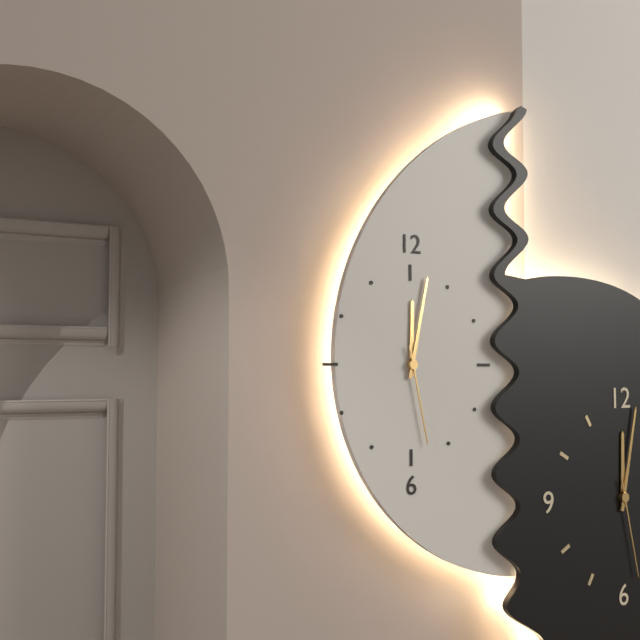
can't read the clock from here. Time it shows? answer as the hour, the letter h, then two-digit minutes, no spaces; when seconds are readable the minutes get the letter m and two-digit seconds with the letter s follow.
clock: 12h02m28s
